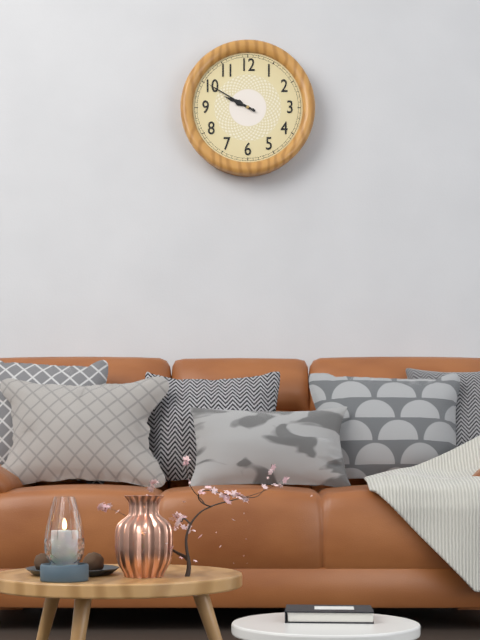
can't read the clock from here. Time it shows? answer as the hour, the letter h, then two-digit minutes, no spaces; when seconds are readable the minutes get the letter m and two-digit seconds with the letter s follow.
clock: 9h50
